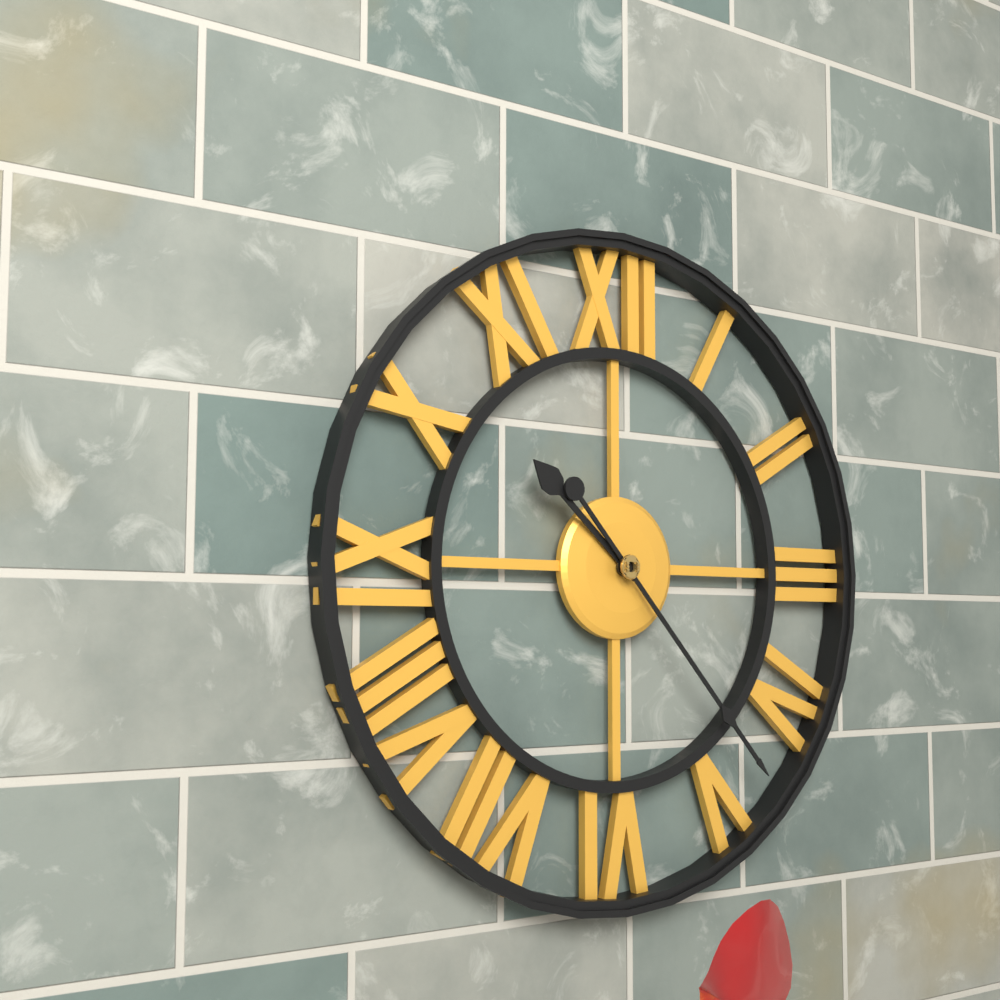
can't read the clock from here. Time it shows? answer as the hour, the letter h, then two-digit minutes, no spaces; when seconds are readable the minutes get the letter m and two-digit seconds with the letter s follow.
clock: 10h23
